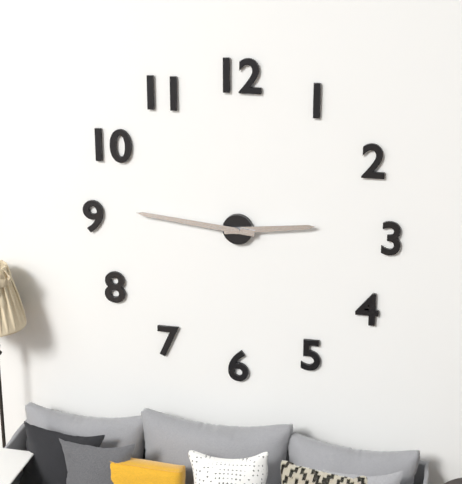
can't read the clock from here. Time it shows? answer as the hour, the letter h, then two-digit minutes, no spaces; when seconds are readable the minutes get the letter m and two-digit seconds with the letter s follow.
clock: 2h46
